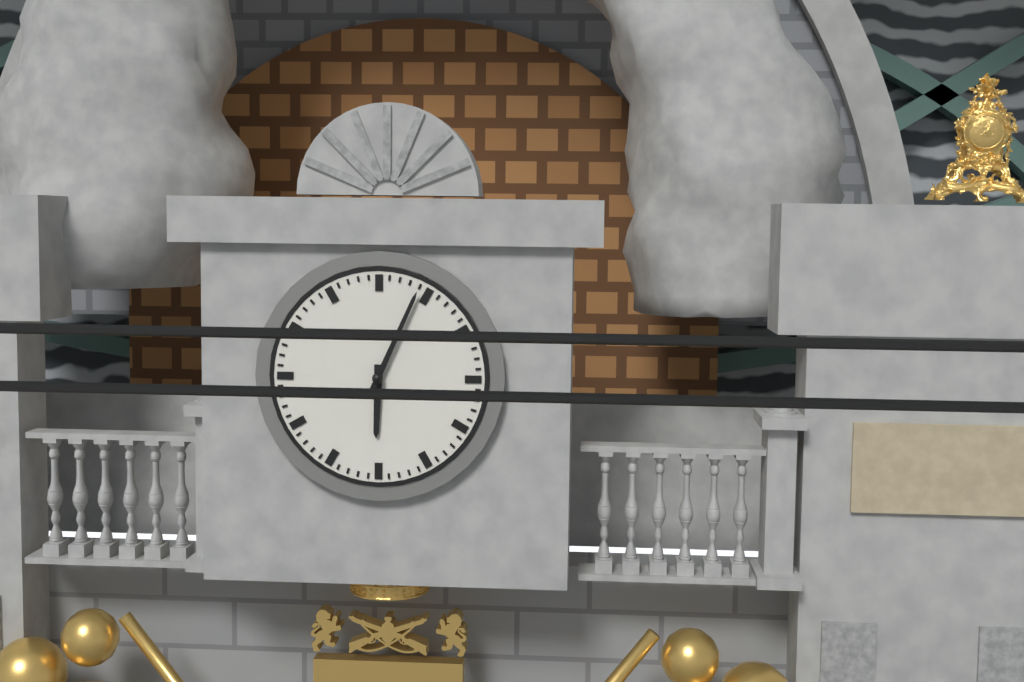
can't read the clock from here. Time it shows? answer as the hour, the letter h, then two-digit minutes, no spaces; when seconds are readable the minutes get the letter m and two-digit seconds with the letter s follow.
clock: 6h04
